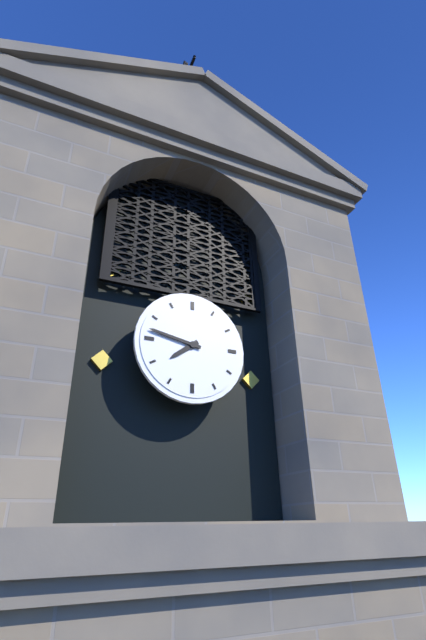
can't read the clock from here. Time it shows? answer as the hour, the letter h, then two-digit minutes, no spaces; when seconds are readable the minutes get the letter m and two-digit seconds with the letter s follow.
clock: 7h47
